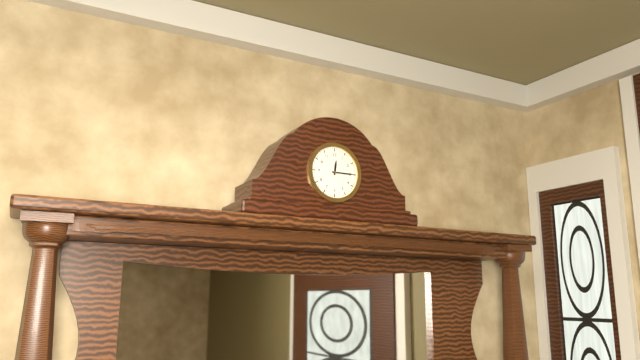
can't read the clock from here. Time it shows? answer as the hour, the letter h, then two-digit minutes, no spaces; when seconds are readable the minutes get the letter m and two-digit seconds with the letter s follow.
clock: 12h15
